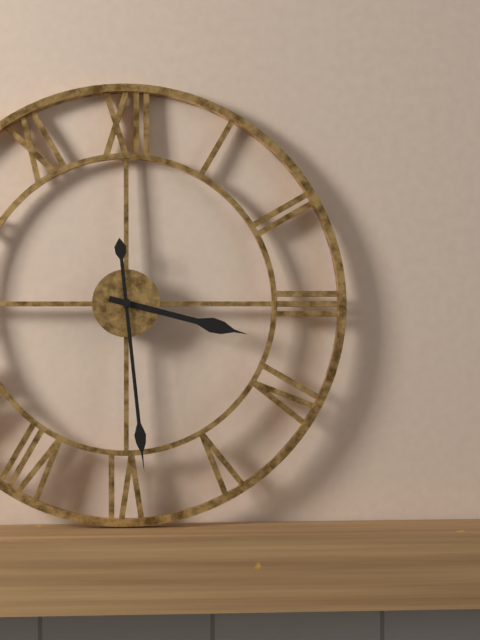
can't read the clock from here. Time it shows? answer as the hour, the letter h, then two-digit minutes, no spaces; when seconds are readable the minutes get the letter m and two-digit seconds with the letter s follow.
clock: 3h29
